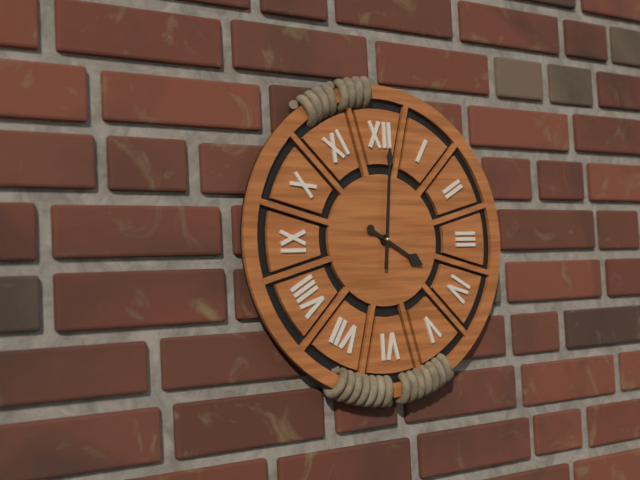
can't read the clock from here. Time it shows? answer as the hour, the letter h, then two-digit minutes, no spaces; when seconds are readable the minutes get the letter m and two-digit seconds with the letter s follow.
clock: 4h01
